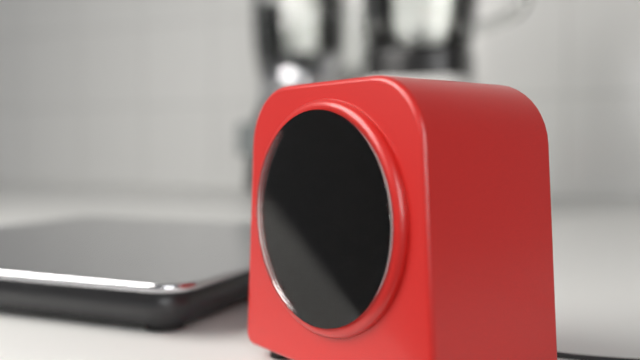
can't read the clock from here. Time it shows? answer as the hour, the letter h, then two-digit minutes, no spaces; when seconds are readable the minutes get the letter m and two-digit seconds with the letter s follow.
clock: 5h50
